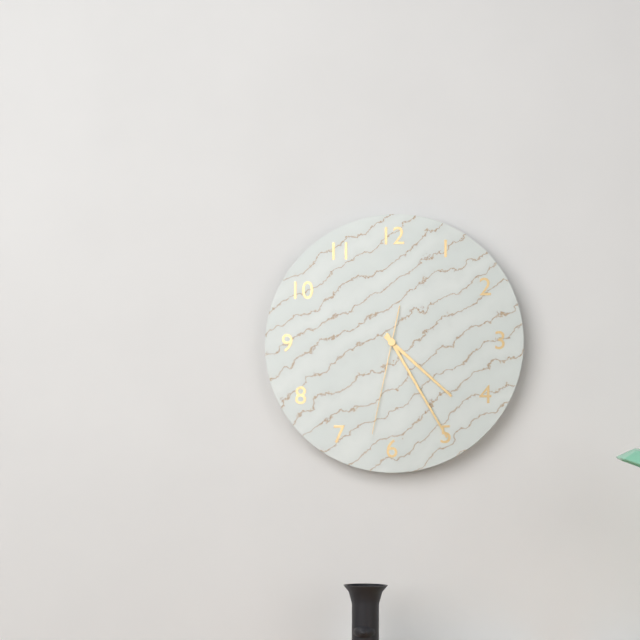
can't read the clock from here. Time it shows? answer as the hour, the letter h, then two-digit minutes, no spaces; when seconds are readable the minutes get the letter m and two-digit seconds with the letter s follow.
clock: 4h25m32s
